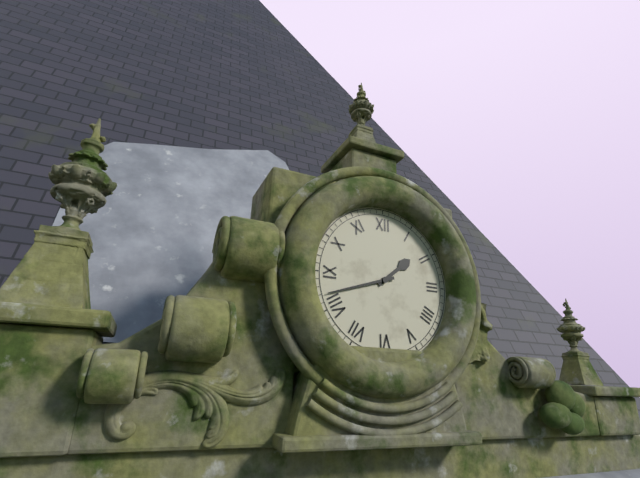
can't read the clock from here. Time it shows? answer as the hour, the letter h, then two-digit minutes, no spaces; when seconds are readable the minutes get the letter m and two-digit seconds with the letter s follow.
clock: 1h42
